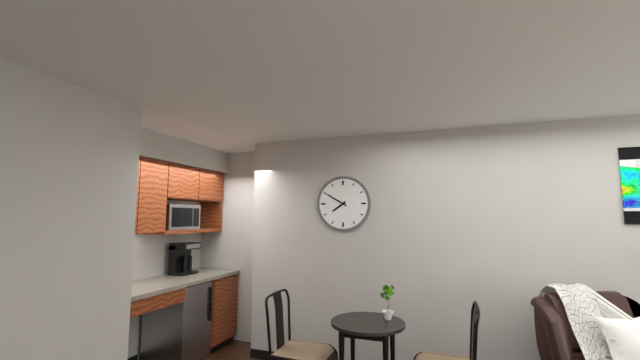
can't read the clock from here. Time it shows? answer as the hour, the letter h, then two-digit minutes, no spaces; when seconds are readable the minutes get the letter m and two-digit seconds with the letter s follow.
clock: 7h50
